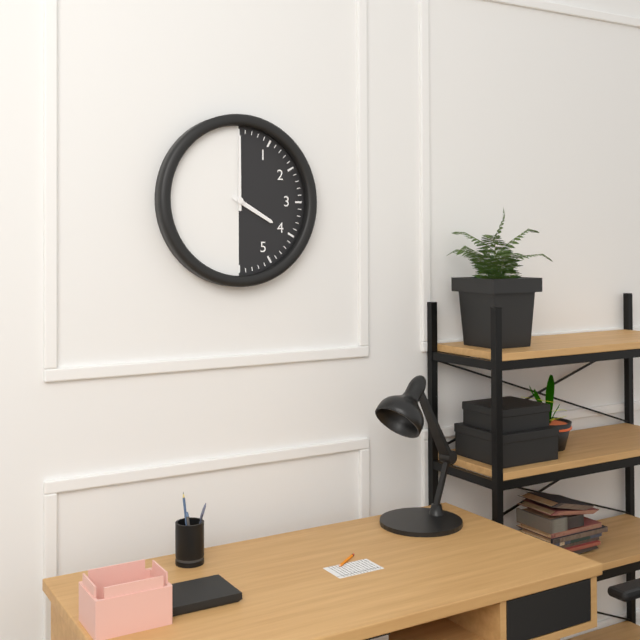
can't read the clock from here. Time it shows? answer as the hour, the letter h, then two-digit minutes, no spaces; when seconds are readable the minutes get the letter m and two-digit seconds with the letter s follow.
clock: 4h00
